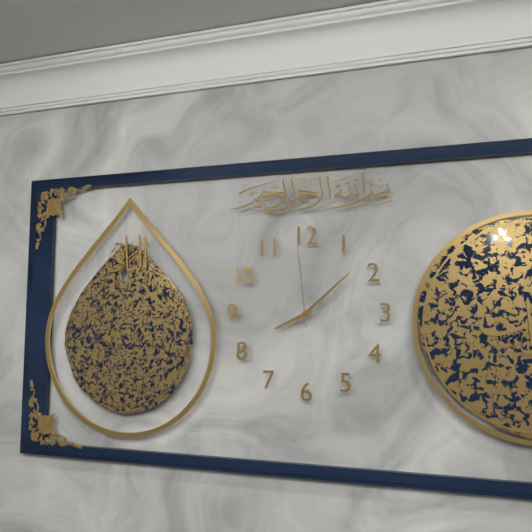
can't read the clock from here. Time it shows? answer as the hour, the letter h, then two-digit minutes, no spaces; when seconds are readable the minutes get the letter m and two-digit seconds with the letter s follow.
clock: 8h08m59s
